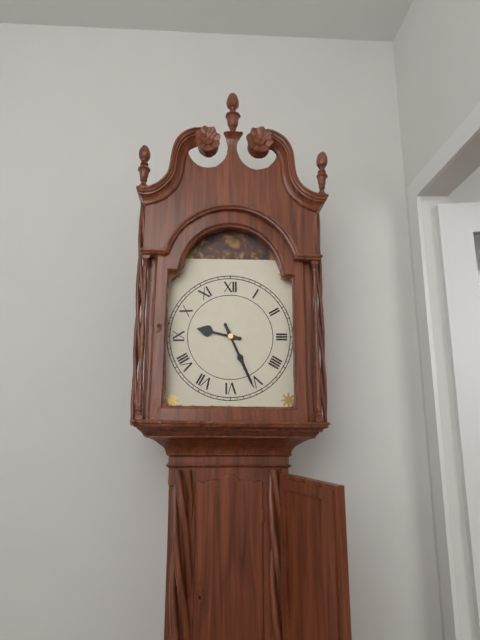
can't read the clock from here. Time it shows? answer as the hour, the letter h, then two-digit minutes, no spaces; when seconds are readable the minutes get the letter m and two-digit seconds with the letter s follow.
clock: 9h26
